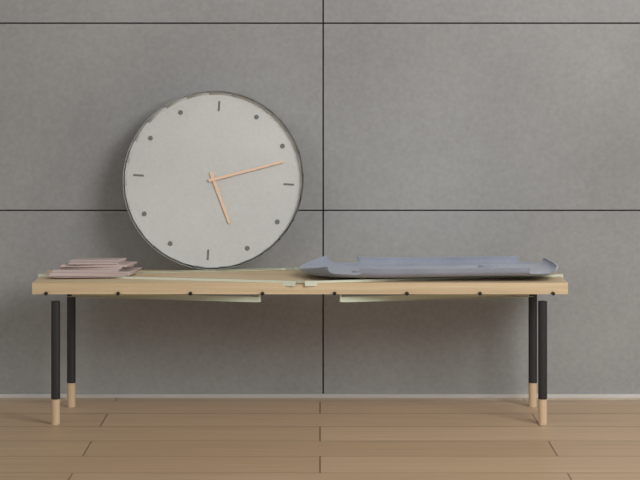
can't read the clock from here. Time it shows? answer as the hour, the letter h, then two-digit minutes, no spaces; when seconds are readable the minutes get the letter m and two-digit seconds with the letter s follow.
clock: 5h12
